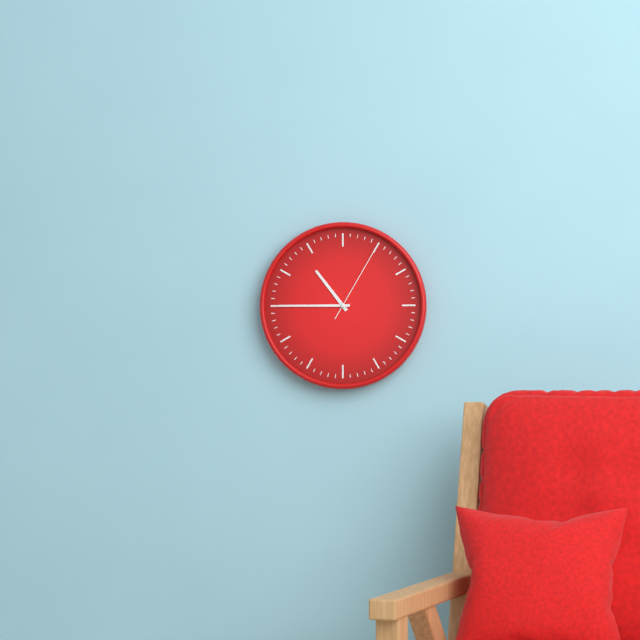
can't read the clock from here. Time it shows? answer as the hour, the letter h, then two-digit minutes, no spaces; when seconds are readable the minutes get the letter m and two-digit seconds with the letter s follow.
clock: 10h45m05s
